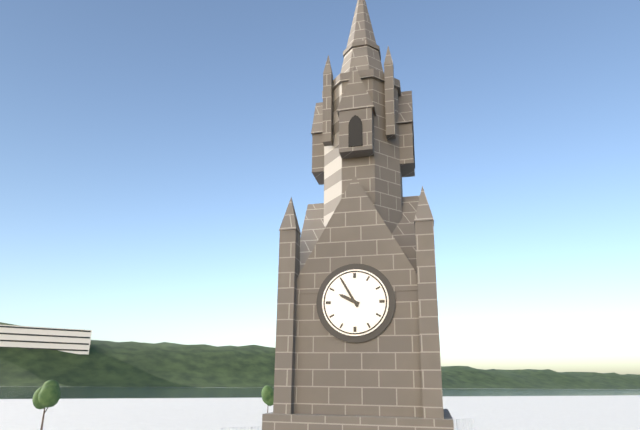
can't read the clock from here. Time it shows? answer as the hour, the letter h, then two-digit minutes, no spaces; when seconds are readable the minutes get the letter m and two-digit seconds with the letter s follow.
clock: 9h55
